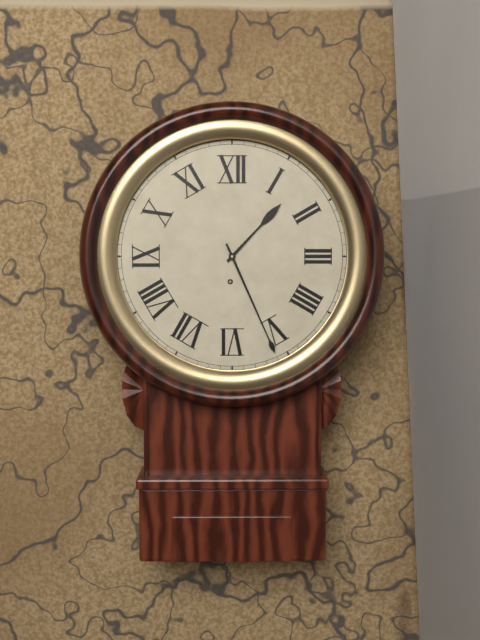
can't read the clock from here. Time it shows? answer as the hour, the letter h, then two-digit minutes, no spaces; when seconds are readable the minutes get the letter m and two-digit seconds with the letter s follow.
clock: 1h26
